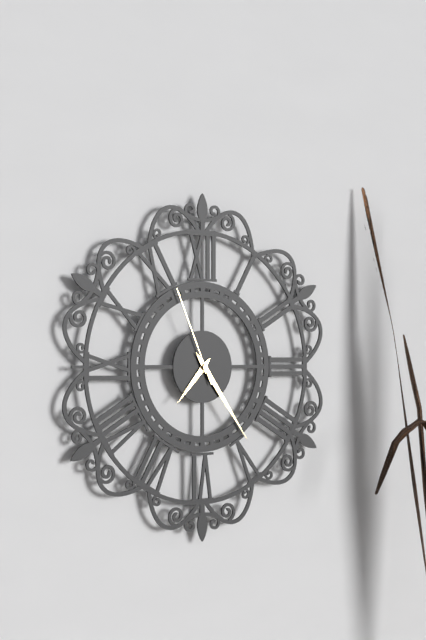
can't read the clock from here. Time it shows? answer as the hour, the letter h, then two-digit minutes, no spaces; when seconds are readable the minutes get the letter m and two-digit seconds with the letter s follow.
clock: 7h24m56s
